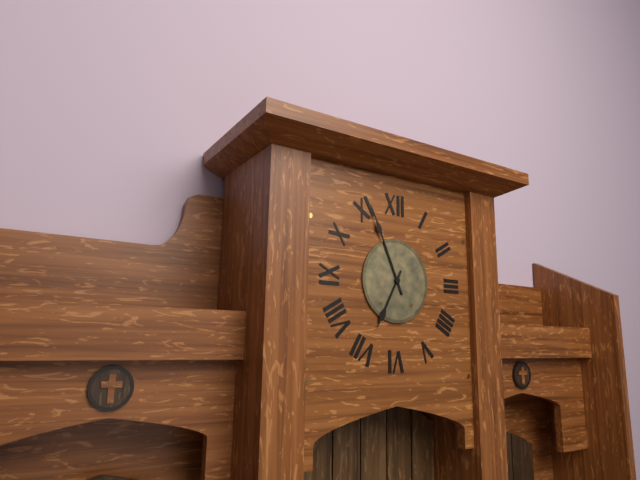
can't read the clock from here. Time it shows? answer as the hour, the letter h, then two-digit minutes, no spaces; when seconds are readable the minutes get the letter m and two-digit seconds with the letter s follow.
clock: 6h56
